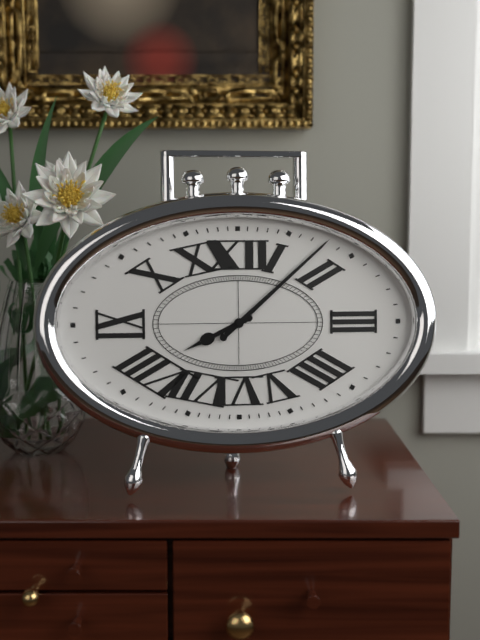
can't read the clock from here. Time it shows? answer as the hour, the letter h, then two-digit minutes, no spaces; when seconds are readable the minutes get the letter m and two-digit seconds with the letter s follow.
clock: 8h08
